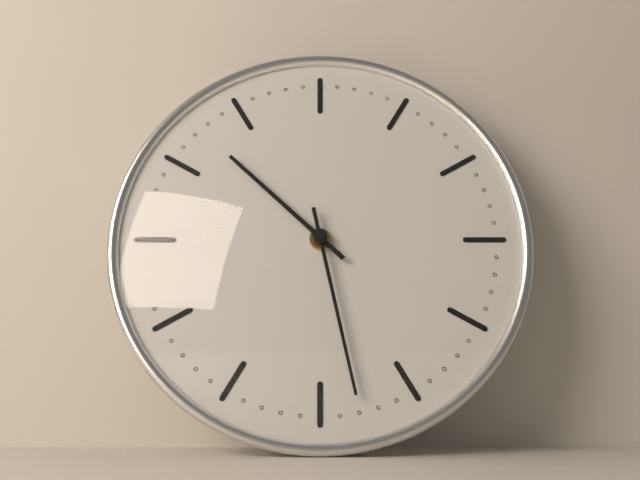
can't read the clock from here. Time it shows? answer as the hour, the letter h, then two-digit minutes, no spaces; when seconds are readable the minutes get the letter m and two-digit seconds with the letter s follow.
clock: 10h28
